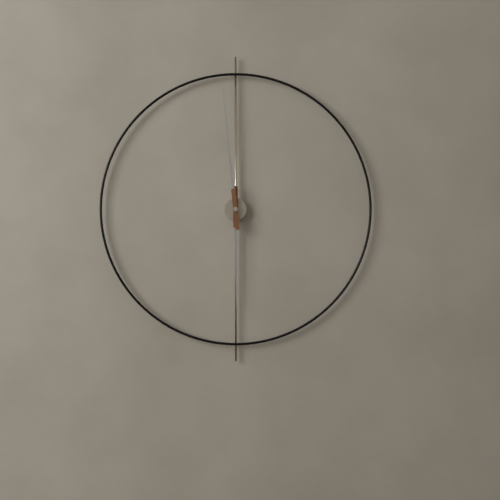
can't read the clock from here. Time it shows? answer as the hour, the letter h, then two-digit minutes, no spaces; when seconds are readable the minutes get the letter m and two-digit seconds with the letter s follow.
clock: 5h59
